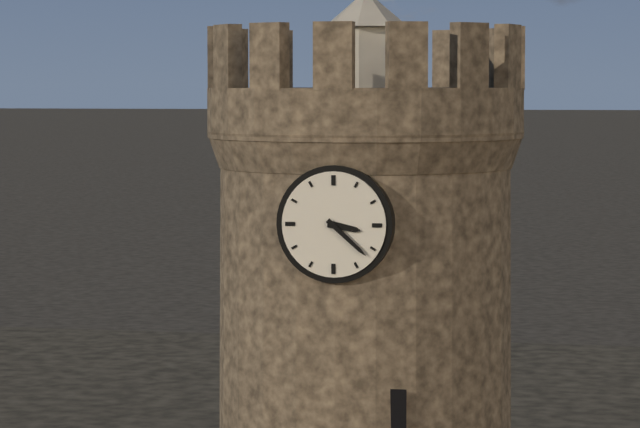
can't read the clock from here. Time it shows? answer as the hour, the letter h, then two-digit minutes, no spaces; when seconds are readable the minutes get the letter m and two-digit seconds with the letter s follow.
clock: 3h22
